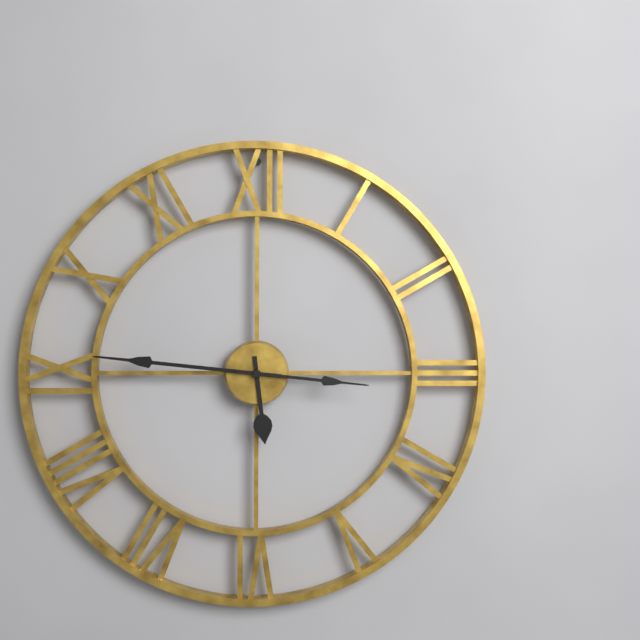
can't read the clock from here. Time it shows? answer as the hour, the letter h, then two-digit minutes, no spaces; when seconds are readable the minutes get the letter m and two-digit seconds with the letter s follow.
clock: 5h46m16s
